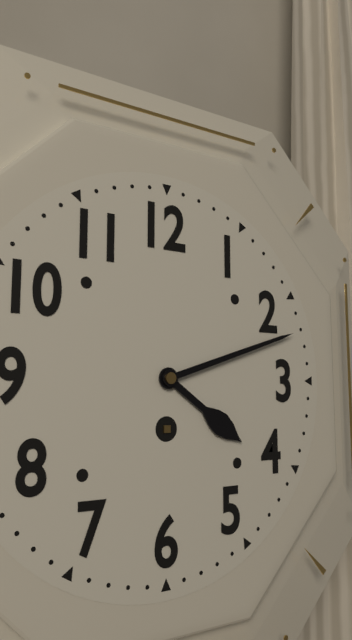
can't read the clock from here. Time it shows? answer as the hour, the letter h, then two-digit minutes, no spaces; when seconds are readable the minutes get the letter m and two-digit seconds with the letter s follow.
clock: 4h12
